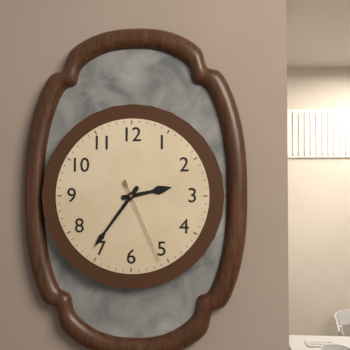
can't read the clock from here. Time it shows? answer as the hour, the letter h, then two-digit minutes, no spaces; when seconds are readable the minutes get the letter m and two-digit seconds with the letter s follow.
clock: 2h36m26s
